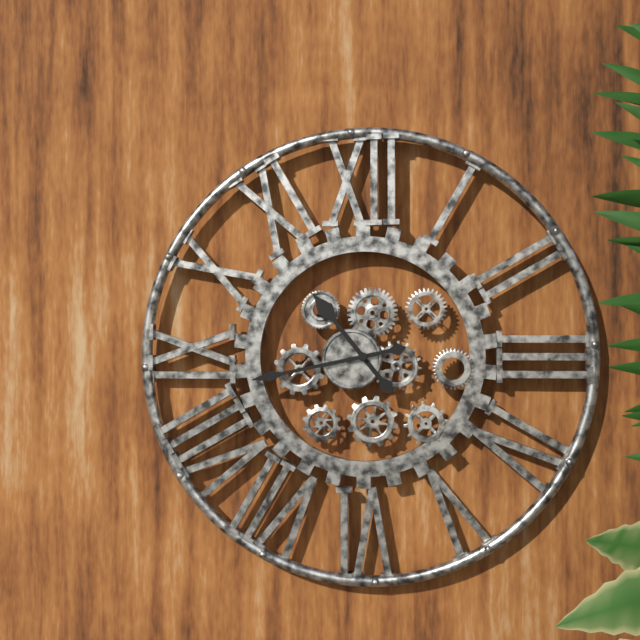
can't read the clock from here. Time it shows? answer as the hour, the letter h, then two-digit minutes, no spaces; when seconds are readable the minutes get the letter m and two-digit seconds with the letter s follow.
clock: 10h43
